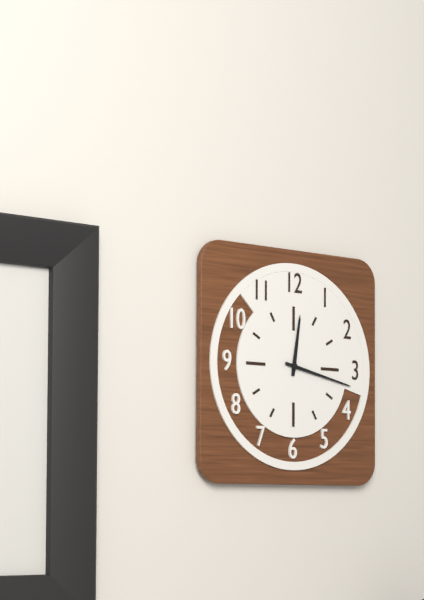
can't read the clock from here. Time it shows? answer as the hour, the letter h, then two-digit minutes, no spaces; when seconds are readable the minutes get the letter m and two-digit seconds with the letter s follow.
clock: 12h17
